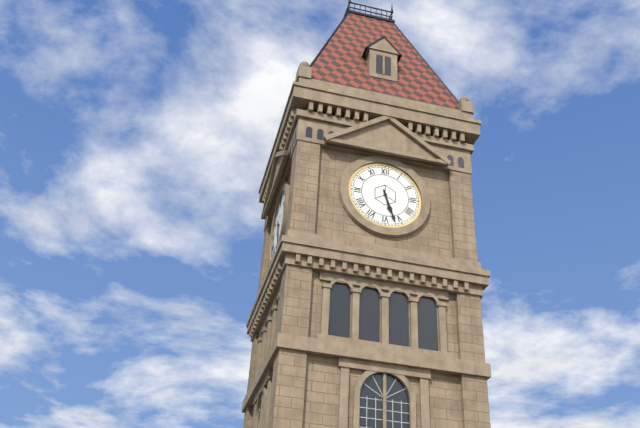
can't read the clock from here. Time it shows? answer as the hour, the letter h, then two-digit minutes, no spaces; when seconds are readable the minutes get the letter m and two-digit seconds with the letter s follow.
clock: 5h27
